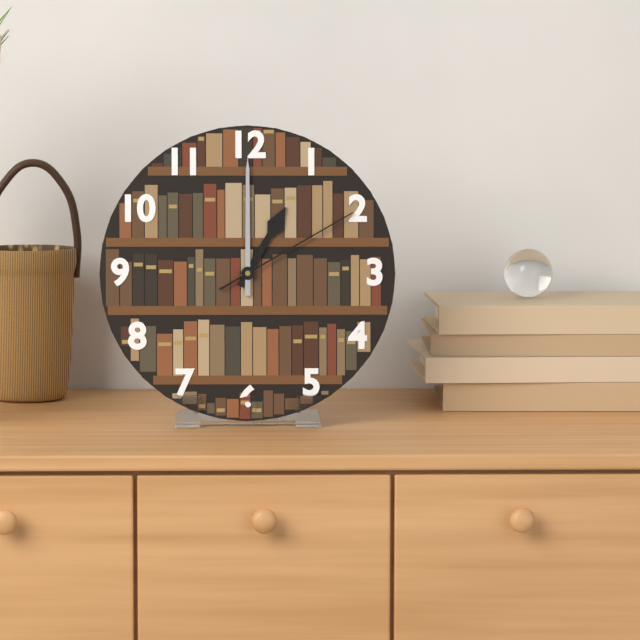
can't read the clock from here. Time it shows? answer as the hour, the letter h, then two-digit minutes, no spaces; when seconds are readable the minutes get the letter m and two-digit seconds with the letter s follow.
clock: 1h00m10s
